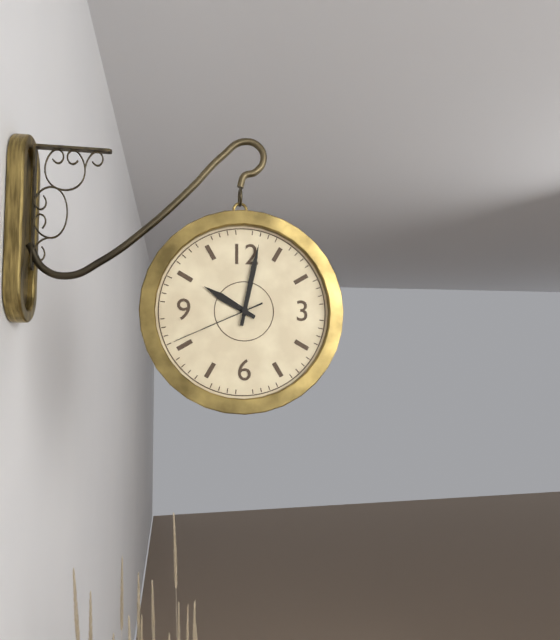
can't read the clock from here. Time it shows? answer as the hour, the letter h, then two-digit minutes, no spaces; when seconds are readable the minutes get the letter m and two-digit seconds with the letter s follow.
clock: 10h02m41s
